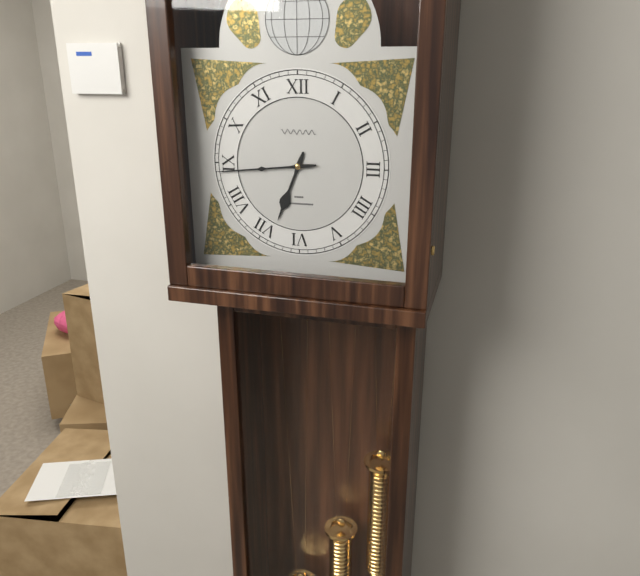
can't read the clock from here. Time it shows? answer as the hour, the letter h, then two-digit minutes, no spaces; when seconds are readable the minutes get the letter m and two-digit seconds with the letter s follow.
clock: 6h44
